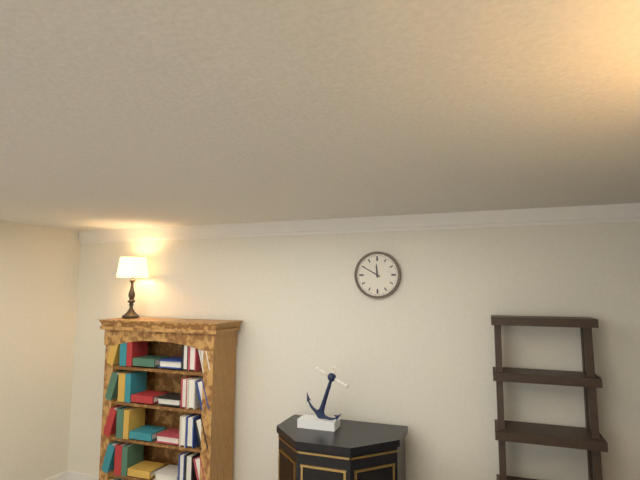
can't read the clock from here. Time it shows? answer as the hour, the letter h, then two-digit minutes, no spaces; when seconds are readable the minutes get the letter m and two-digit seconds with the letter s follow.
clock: 11h50
